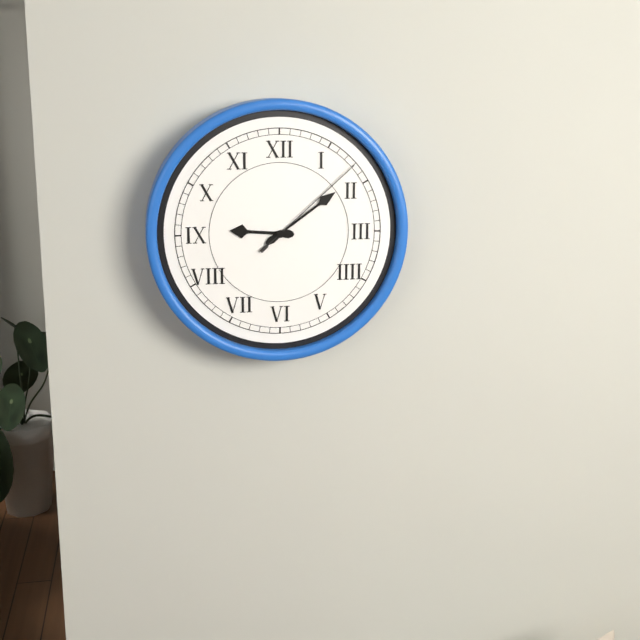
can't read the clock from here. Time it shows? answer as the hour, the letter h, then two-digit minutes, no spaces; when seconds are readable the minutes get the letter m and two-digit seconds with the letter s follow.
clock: 9h09m08s
